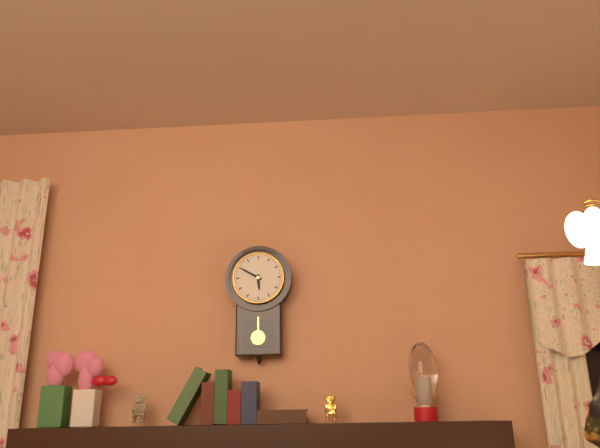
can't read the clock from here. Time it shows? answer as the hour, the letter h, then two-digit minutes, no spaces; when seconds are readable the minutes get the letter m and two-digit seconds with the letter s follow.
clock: 5h50
